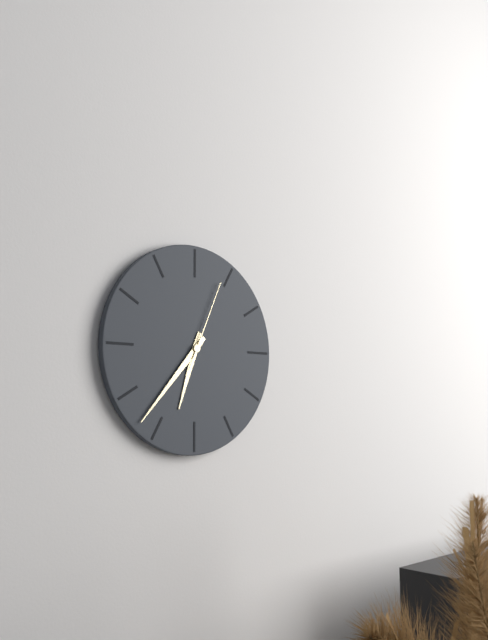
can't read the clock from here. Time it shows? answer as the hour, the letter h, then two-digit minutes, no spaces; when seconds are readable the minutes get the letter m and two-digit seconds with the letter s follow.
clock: 6h37m04s
